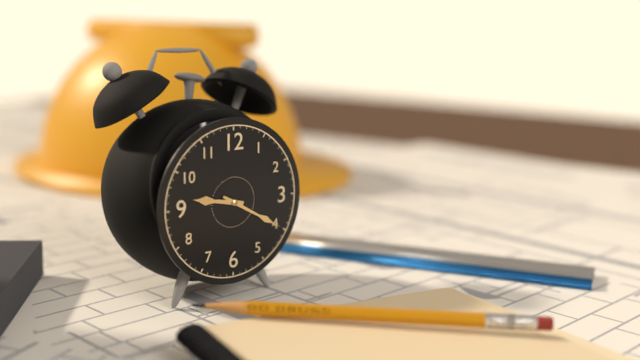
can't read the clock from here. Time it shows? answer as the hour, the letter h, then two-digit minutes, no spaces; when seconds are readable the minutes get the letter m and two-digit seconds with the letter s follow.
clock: 9h20
